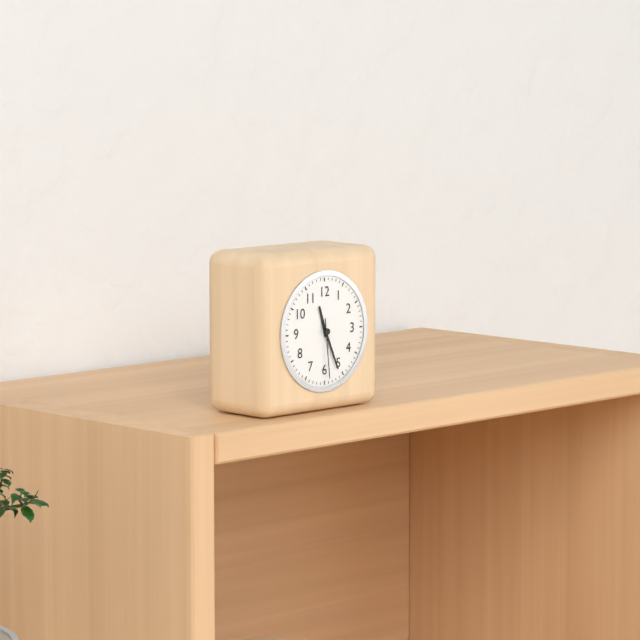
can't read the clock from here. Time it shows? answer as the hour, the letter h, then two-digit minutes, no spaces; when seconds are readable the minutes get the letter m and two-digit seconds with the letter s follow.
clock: 11h26m29s
